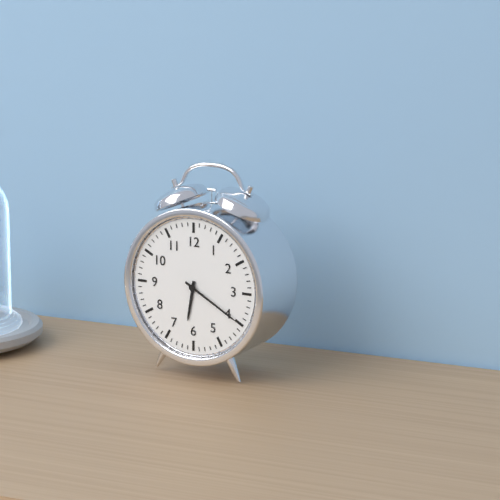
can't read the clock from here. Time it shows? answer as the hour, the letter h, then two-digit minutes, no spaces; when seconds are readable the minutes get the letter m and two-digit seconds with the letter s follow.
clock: 6h20
